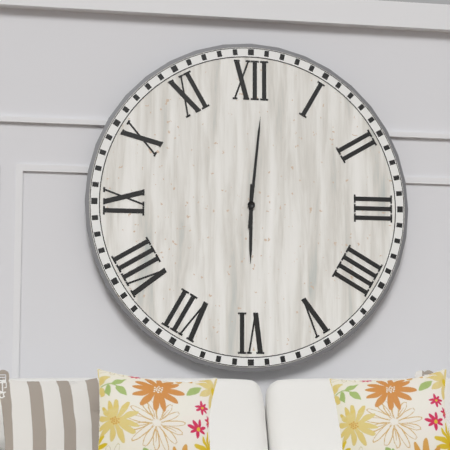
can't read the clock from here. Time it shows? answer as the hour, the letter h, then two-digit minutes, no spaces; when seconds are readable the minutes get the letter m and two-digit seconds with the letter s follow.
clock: 6h01
